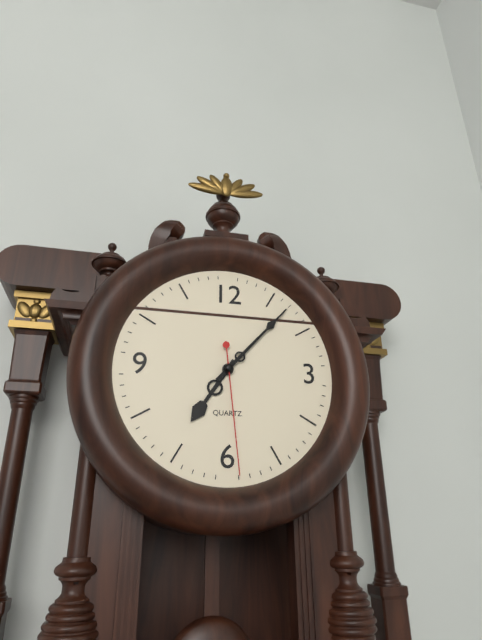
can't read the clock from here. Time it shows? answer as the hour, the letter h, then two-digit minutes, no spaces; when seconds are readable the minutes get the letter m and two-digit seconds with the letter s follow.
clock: 7h07m29s
